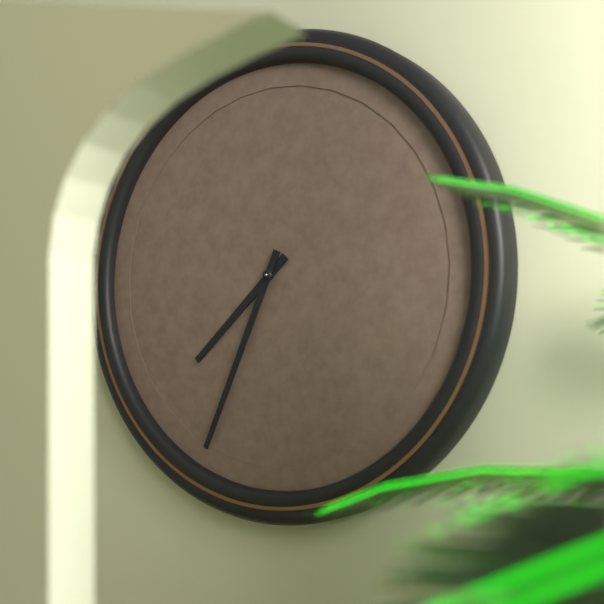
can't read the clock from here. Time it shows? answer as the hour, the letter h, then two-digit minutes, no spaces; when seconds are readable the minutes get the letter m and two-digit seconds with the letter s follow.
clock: 7h34
